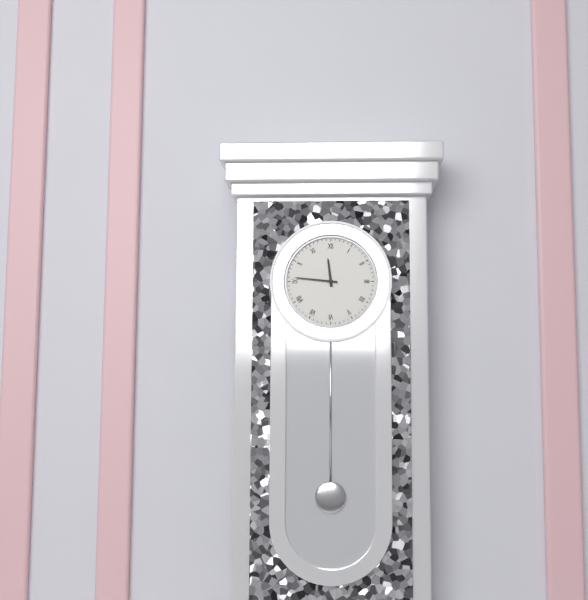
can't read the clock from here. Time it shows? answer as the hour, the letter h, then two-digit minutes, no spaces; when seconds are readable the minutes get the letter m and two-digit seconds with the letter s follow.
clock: 11h46
